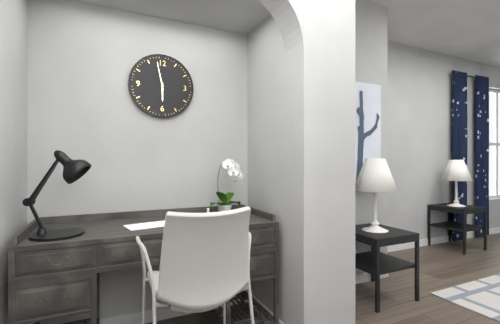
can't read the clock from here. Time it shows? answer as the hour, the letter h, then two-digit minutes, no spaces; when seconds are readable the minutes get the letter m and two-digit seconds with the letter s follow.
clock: 5h58
